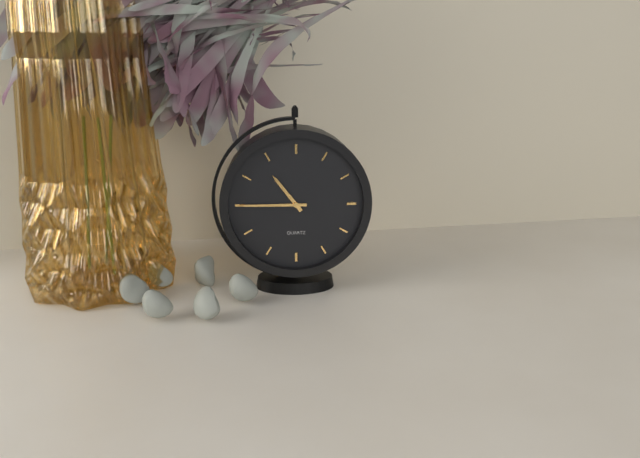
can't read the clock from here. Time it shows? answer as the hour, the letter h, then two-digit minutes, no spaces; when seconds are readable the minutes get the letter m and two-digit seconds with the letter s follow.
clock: 10h45
